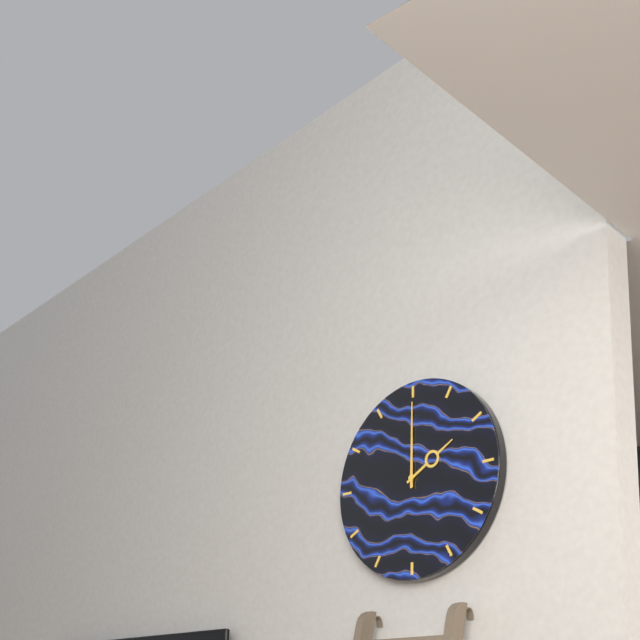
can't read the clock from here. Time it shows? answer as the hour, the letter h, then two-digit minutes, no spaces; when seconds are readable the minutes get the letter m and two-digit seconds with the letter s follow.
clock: 2h00
